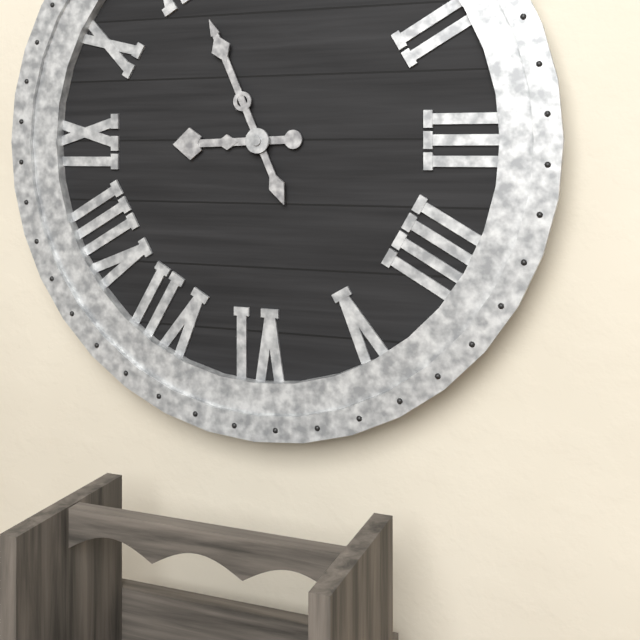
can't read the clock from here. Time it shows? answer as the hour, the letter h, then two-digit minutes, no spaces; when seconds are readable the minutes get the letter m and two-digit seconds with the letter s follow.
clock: 8h56
